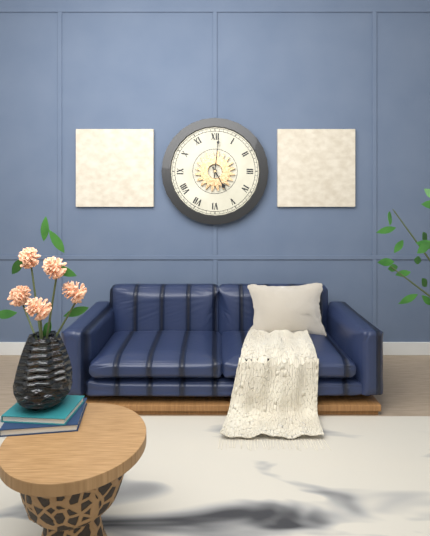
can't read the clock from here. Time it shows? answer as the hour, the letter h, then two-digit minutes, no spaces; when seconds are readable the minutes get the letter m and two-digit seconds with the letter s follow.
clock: 5h01
